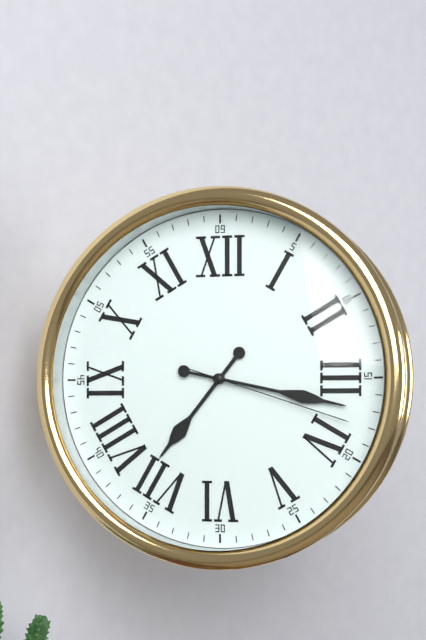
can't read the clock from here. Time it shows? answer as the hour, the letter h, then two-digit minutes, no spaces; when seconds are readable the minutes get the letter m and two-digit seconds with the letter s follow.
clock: 7h17m18s
